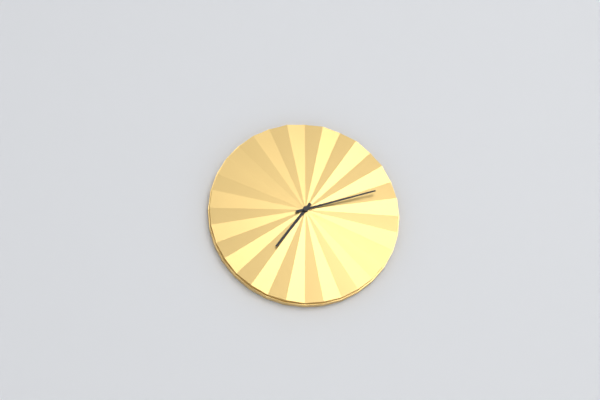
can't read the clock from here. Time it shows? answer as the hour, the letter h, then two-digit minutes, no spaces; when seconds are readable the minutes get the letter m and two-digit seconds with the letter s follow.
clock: 7h12
